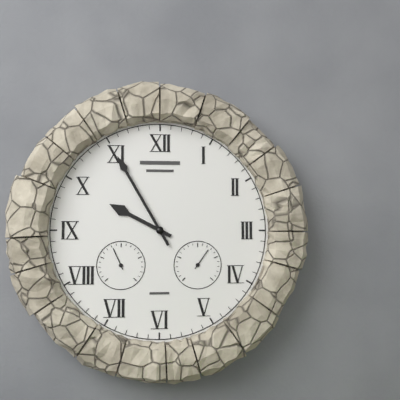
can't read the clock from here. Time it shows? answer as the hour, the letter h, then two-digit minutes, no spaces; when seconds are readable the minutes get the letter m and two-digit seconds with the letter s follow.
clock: 9h55
